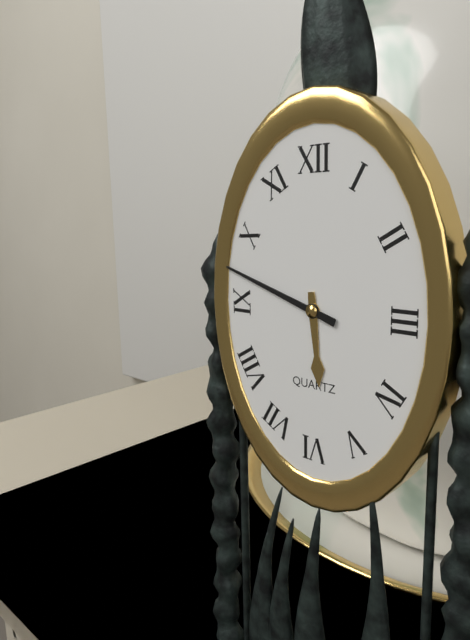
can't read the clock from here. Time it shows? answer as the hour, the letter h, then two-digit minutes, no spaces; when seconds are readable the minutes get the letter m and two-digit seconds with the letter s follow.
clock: 5h48
